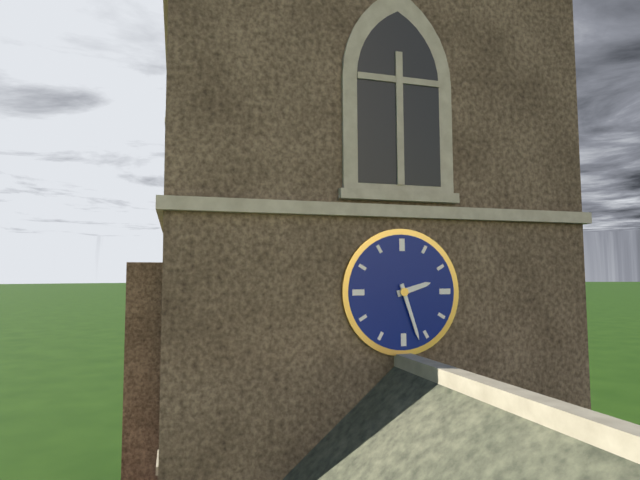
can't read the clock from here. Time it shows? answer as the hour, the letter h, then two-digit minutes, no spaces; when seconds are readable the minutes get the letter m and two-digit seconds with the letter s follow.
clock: 2h27
